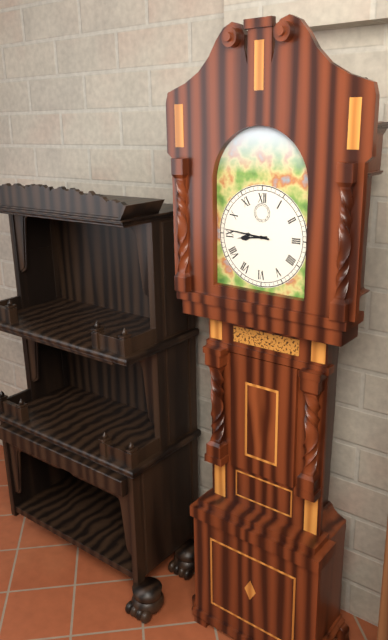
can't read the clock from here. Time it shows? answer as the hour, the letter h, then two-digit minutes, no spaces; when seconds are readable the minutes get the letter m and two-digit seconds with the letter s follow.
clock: 8h46
